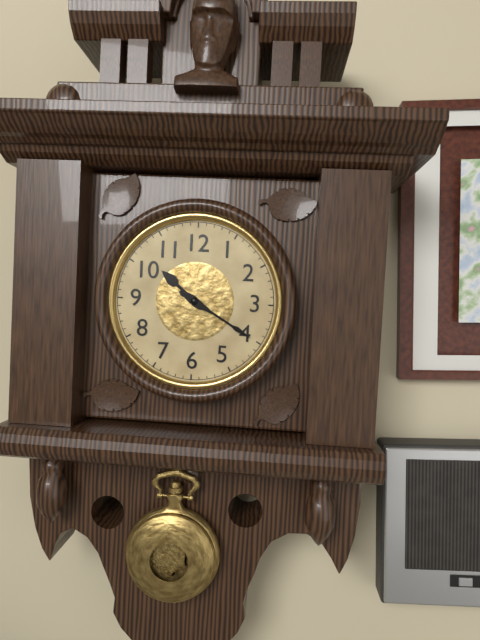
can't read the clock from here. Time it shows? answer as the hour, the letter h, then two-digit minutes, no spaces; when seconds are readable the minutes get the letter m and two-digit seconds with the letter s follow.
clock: 10h20
